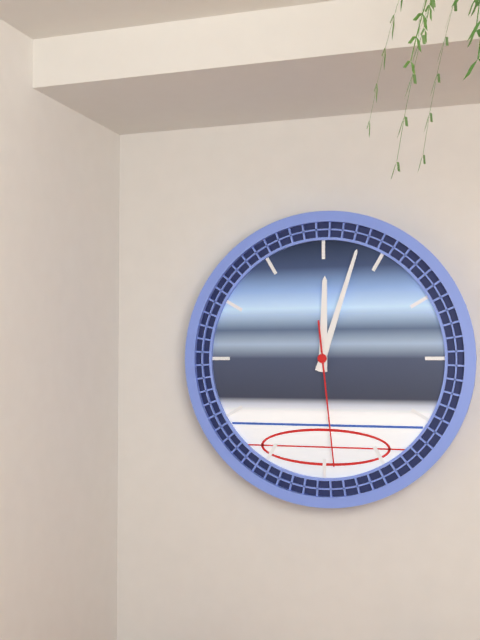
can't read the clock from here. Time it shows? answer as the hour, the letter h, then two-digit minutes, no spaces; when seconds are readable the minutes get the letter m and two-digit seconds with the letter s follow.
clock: 12h03m29s
